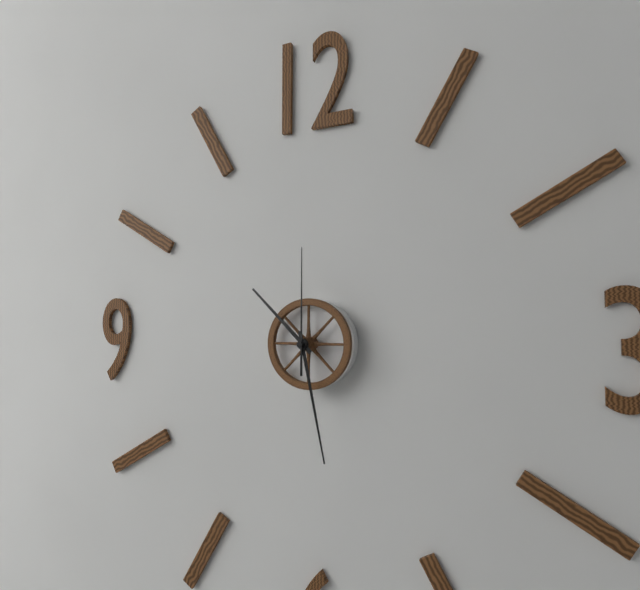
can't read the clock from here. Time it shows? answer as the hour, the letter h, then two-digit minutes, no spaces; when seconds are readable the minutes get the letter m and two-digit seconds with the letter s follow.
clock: 10h28m00s
